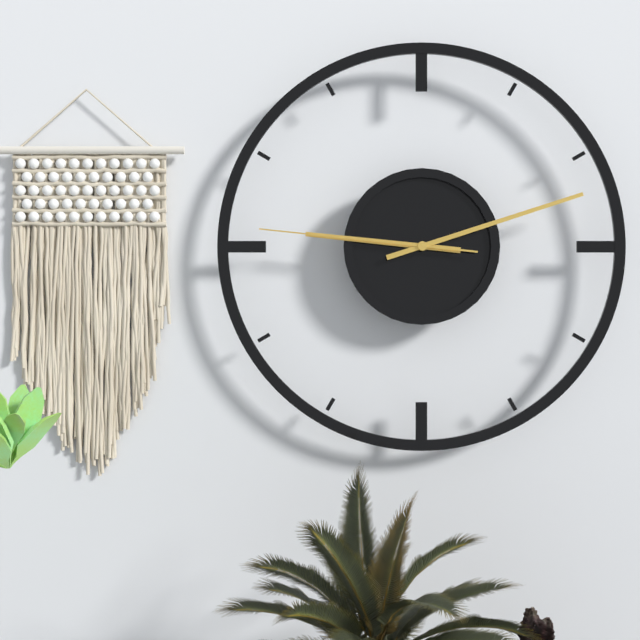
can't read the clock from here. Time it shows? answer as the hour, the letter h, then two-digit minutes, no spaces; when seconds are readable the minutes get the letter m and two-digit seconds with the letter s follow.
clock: 9h12m46s
